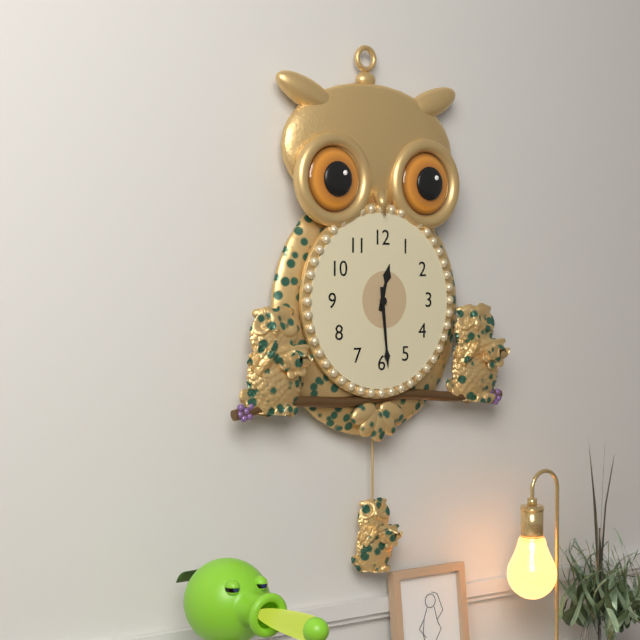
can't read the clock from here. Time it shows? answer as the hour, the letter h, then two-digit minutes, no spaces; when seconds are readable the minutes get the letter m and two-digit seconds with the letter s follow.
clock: 12h29
